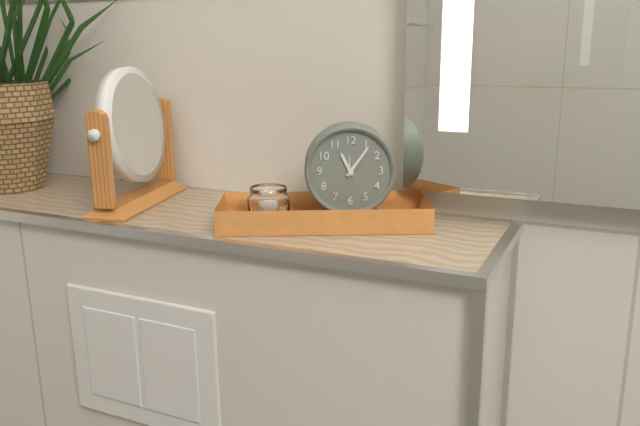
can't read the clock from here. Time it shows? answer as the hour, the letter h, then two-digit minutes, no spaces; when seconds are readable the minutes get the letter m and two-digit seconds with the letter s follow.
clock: 11h06
